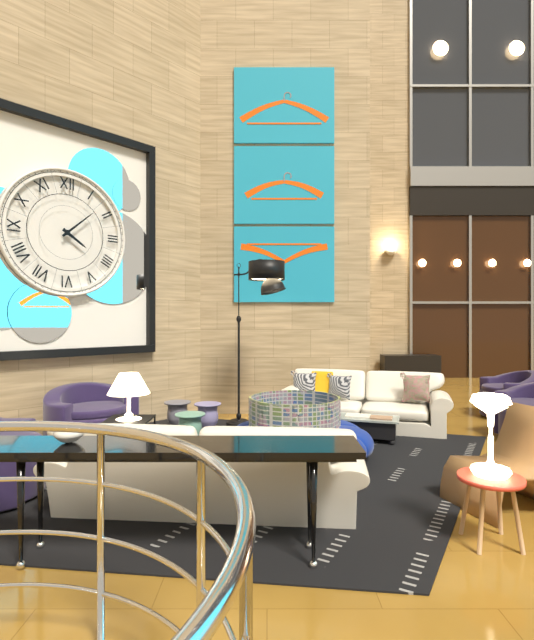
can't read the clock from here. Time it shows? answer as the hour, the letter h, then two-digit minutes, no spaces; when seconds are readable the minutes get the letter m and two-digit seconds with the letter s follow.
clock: 4h08
